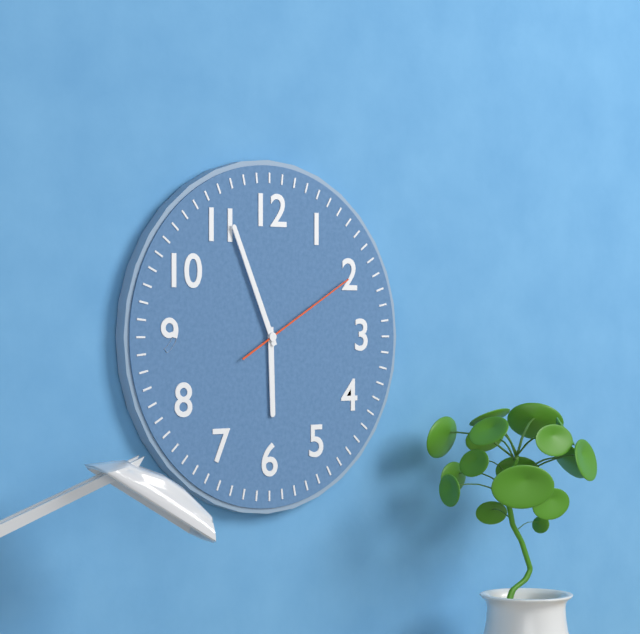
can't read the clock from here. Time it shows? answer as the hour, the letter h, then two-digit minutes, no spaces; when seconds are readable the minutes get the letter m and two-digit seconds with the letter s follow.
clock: 5h56m10s
